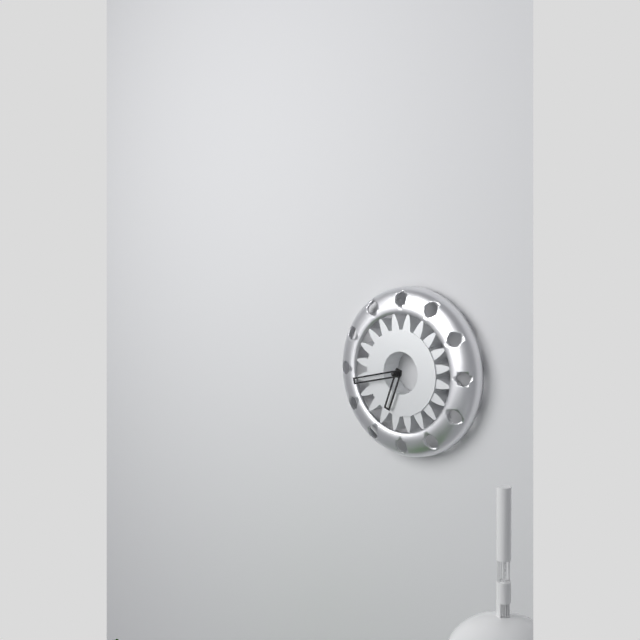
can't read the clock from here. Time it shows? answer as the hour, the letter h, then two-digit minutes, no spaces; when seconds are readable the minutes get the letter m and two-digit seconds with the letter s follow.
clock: 6h43
